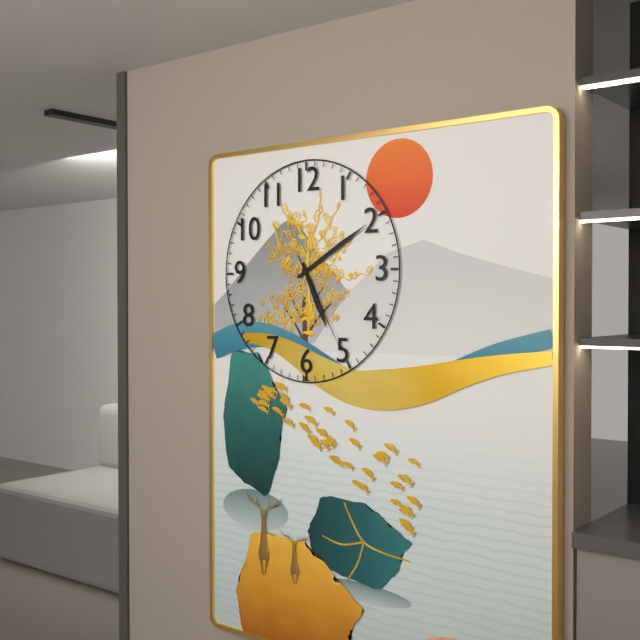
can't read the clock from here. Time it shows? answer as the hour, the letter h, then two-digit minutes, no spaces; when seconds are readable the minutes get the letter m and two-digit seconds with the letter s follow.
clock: 5h10m25s
